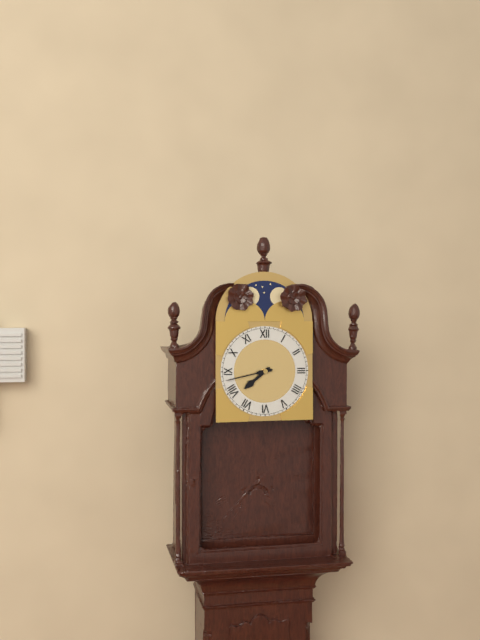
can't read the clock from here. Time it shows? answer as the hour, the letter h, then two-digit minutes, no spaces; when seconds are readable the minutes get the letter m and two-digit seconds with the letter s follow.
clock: 7h43
